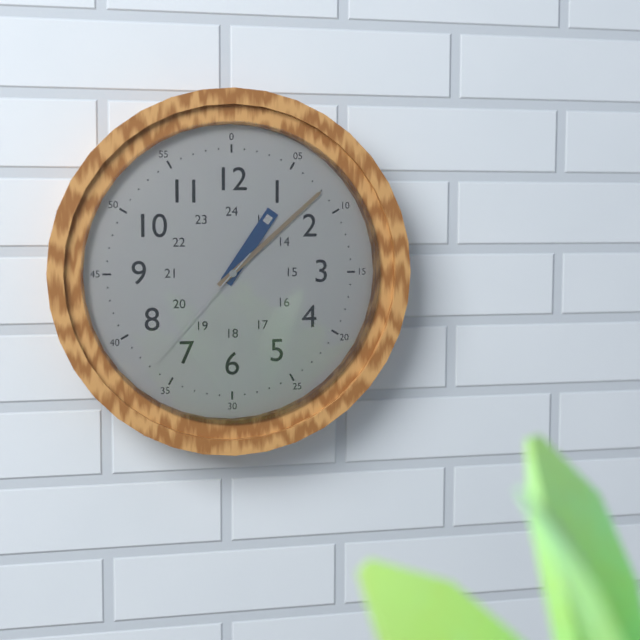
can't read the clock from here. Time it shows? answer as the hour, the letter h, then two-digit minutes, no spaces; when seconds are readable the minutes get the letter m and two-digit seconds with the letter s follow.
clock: 1h08m37s
